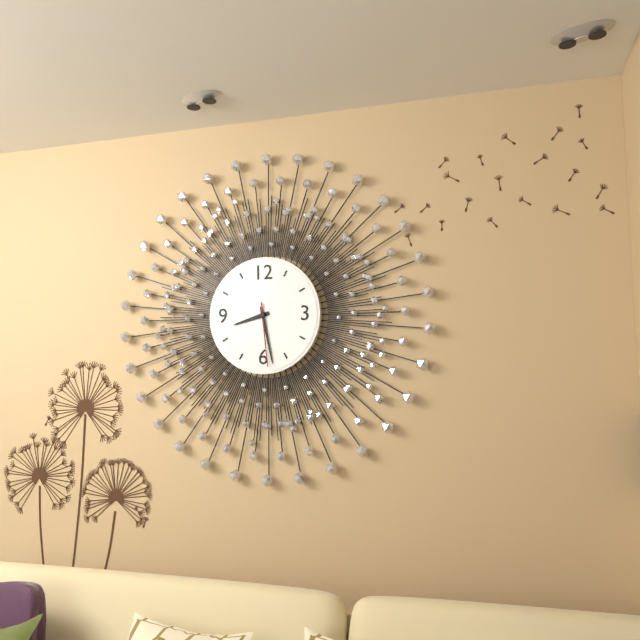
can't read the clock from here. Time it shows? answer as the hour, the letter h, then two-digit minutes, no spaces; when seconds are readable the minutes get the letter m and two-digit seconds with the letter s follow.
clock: 8h28m29s
